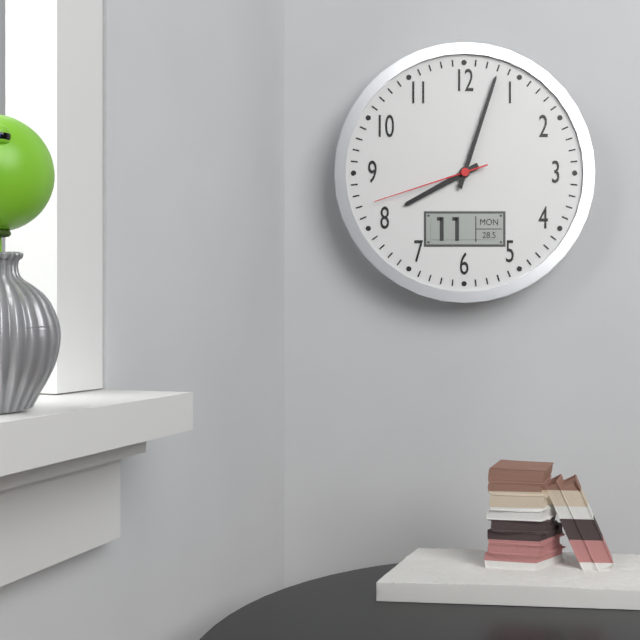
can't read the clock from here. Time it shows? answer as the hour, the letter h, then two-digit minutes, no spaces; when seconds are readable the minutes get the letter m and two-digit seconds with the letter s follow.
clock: 8h03m42s
